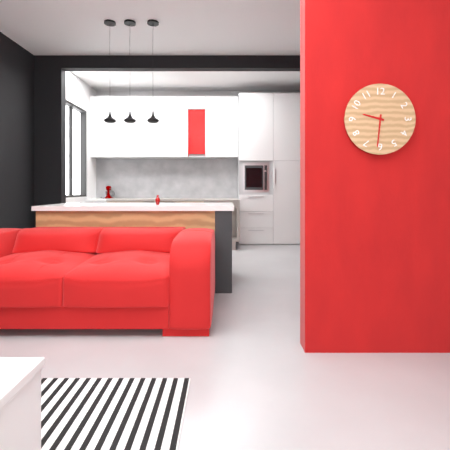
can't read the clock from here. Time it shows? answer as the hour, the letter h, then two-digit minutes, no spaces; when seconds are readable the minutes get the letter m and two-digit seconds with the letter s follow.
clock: 9h31
